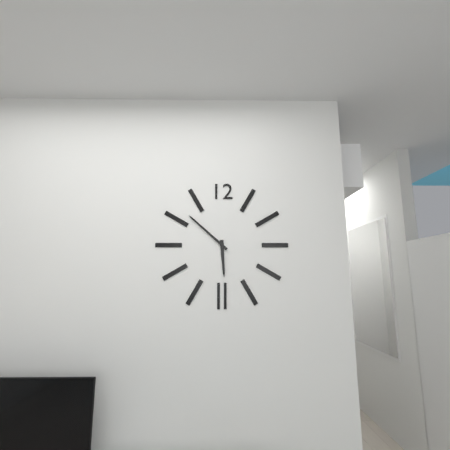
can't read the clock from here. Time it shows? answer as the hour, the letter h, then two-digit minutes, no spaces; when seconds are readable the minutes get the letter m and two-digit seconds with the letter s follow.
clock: 5h52
